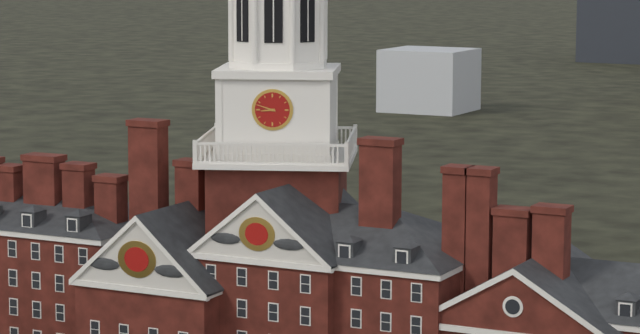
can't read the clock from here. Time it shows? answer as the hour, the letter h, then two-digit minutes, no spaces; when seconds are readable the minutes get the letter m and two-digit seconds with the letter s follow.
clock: 8h48
